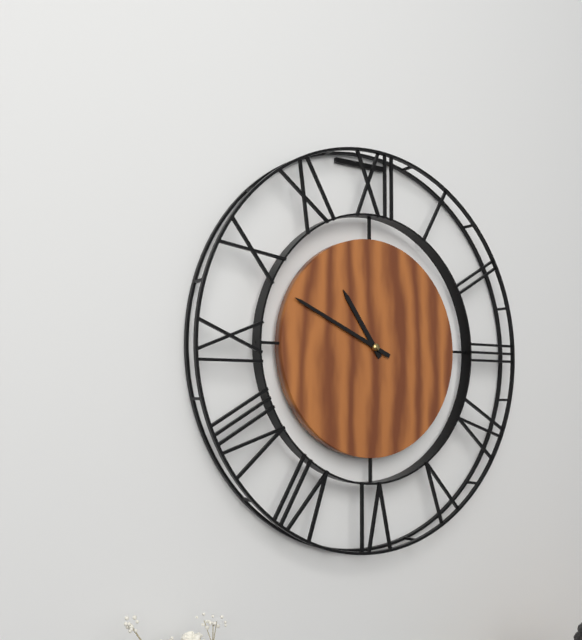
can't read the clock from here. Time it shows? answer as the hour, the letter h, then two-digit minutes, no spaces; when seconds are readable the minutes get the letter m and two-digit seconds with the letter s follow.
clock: 10h49
